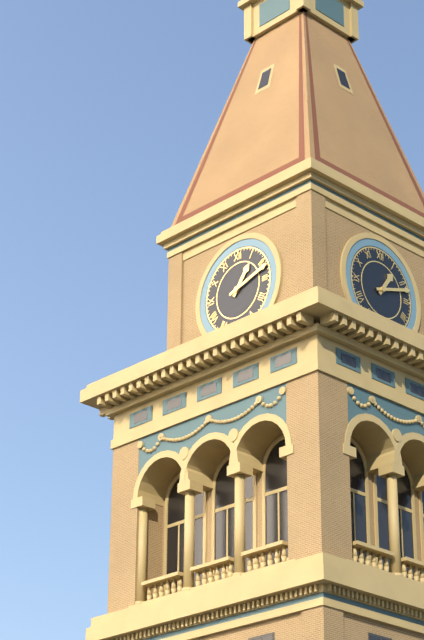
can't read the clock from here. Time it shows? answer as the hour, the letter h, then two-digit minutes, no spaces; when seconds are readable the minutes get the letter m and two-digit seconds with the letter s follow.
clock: 1h12
